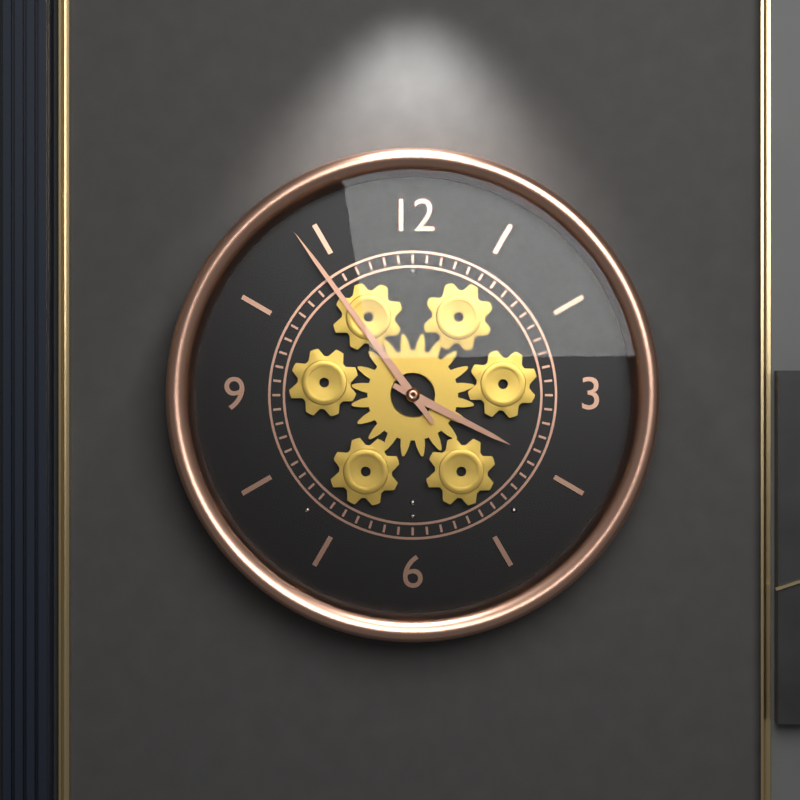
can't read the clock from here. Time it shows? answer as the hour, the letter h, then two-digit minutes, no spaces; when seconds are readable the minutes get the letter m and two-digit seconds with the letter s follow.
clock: 3h54
